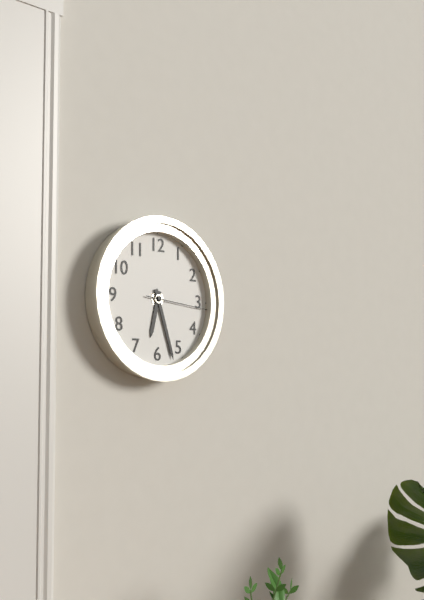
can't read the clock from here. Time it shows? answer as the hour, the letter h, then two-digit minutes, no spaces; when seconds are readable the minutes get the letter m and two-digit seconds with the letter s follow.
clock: 6h27m16s
